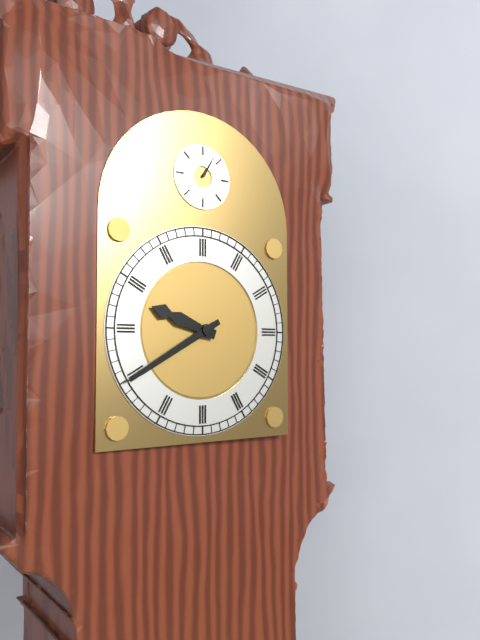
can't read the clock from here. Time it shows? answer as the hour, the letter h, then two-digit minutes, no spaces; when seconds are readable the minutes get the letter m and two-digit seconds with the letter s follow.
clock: 9h40
